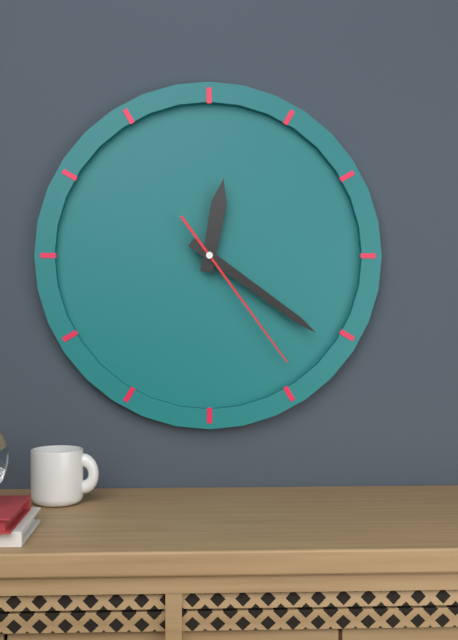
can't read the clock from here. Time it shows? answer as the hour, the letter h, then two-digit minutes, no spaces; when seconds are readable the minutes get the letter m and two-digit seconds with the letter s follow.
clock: 12h21m24s
